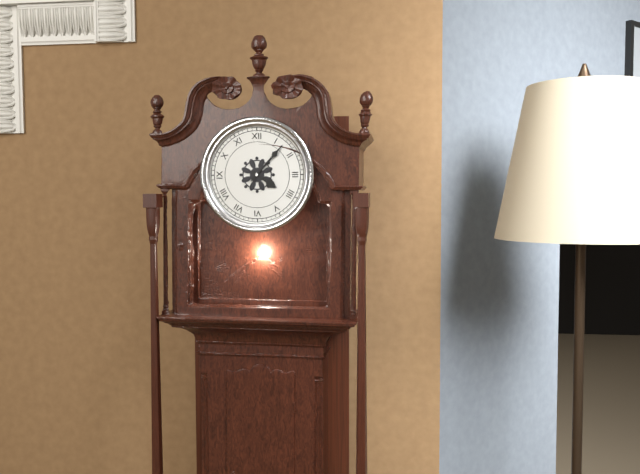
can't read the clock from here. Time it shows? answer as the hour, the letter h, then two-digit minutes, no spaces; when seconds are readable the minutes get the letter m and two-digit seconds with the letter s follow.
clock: 4h07
